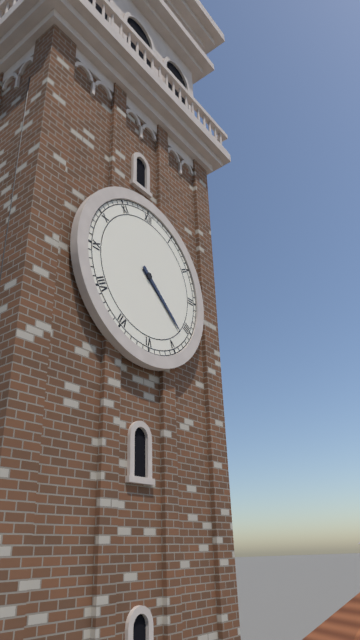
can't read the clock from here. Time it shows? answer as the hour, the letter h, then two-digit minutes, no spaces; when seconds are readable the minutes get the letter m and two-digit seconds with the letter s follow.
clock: 4h22
